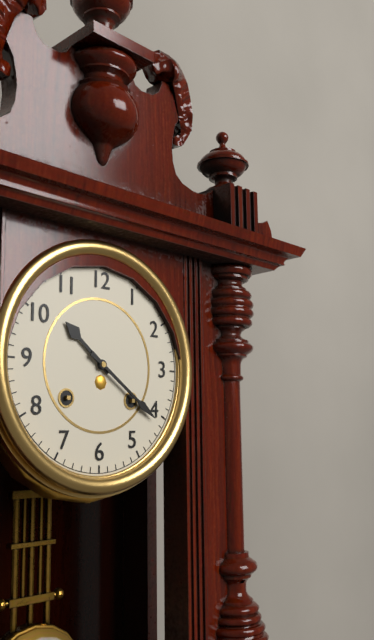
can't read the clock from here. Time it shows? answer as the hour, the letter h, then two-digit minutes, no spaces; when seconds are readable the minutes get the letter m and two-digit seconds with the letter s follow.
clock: 10h21
